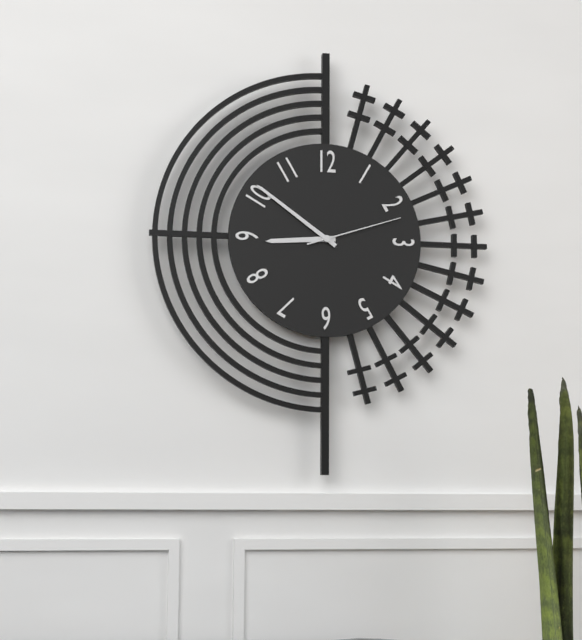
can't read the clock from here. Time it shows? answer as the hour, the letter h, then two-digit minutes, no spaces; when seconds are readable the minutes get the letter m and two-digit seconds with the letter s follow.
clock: 8h51m12s
